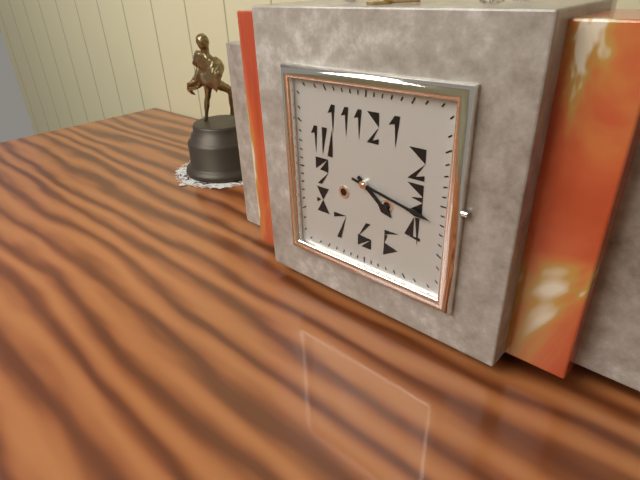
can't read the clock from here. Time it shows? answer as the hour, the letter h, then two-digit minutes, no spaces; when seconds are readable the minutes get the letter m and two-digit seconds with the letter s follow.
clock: 4h17
